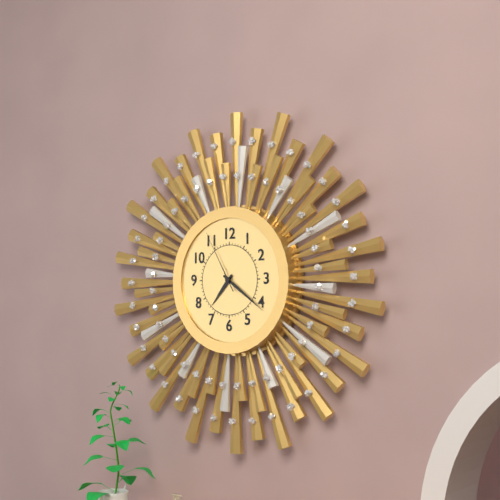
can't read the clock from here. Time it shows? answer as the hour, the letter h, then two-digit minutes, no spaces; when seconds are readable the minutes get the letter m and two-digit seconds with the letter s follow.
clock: 7h21m55s
